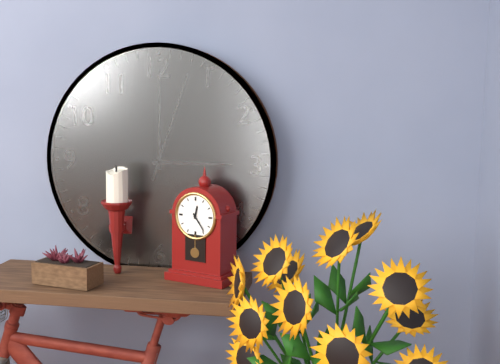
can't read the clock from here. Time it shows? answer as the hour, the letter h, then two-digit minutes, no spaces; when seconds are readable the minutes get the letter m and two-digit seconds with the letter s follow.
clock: 12h24
